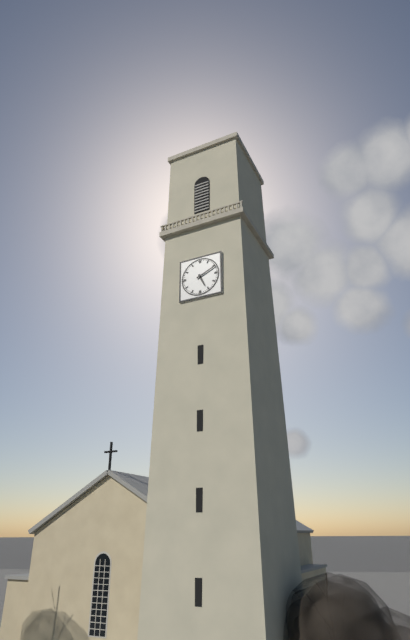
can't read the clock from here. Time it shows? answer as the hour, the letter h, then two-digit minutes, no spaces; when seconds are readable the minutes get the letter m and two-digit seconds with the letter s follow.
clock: 5h11
